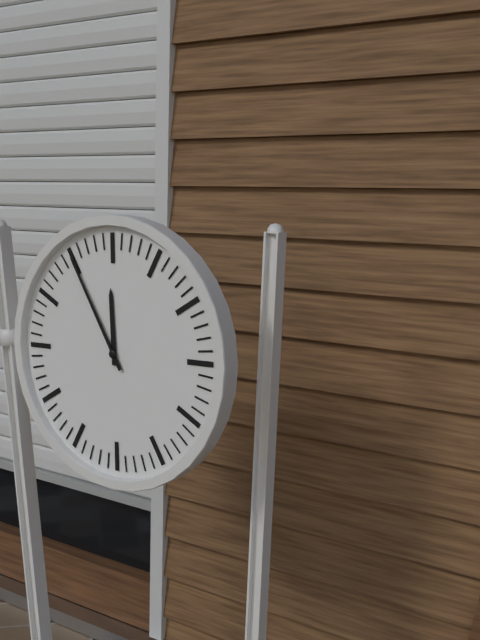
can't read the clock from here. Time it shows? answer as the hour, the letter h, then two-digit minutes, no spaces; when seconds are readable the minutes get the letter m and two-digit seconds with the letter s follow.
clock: 11h55
